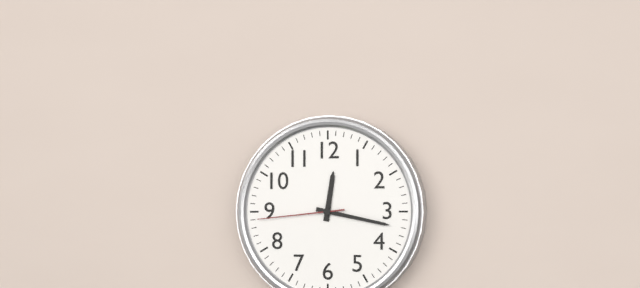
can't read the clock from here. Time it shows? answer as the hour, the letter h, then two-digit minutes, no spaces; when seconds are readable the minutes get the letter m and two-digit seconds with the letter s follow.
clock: 12h17m44s
